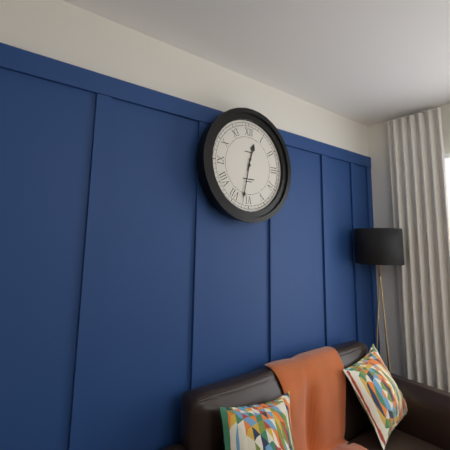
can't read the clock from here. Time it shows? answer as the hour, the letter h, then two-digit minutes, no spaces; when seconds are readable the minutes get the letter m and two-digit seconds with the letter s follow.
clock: 12h32
